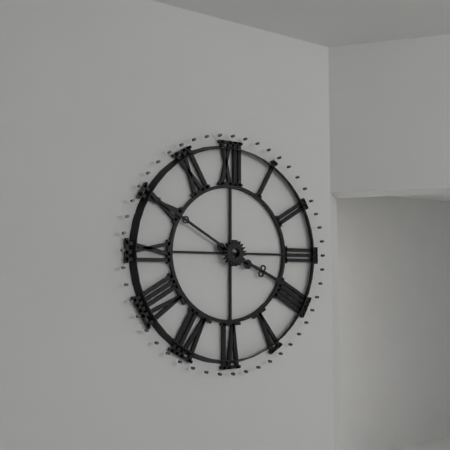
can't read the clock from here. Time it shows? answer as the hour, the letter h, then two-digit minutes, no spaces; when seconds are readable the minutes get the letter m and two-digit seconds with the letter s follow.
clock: 3h50
